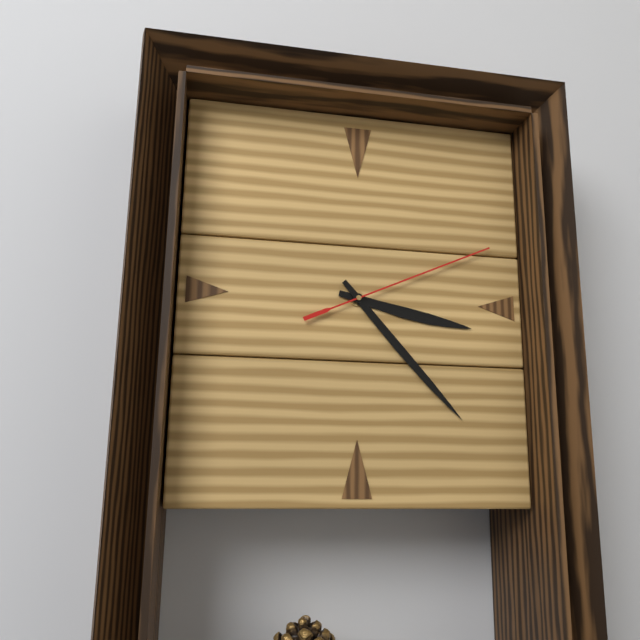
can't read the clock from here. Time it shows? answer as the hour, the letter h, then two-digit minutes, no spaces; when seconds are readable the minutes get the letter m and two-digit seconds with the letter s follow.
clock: 3h23m11s
